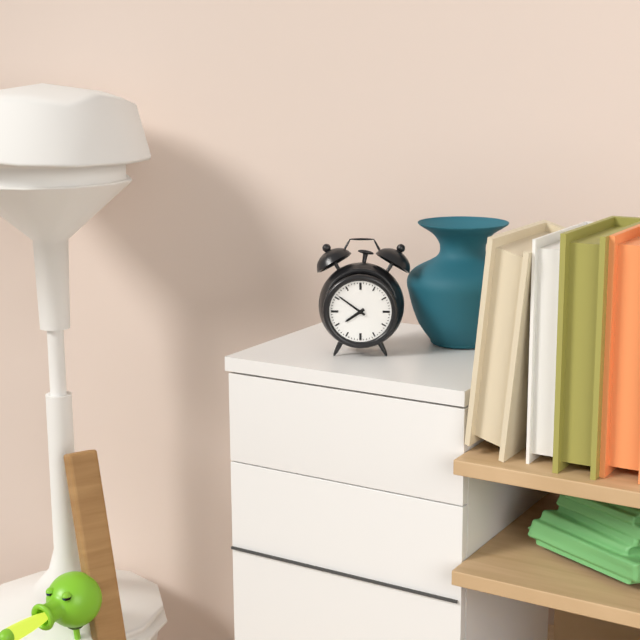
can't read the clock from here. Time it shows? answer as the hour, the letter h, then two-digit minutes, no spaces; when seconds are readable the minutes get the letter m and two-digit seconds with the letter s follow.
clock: 7h51
